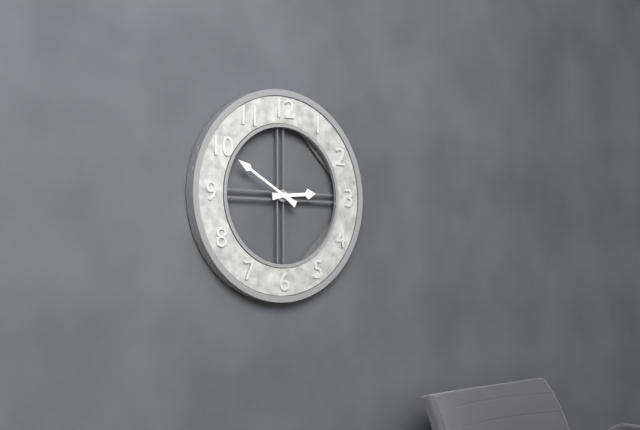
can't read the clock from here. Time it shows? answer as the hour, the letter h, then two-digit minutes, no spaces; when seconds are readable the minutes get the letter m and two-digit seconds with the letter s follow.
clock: 2h50
